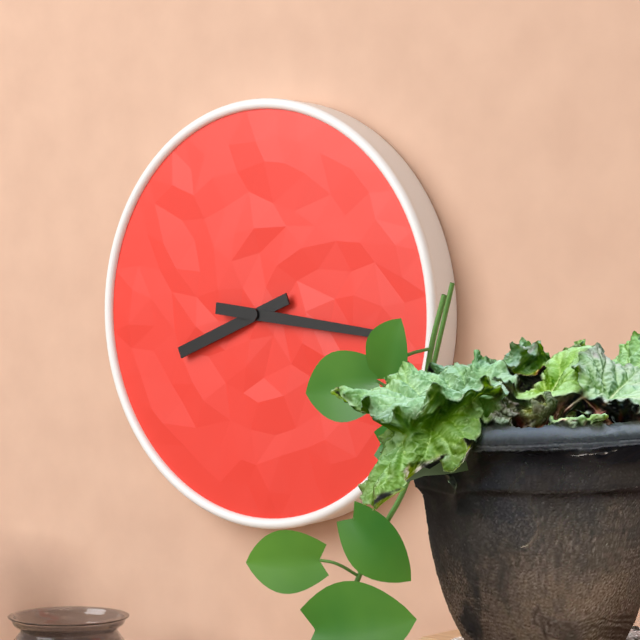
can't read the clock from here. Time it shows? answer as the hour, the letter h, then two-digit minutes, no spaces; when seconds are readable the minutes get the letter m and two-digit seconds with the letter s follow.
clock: 8h16
